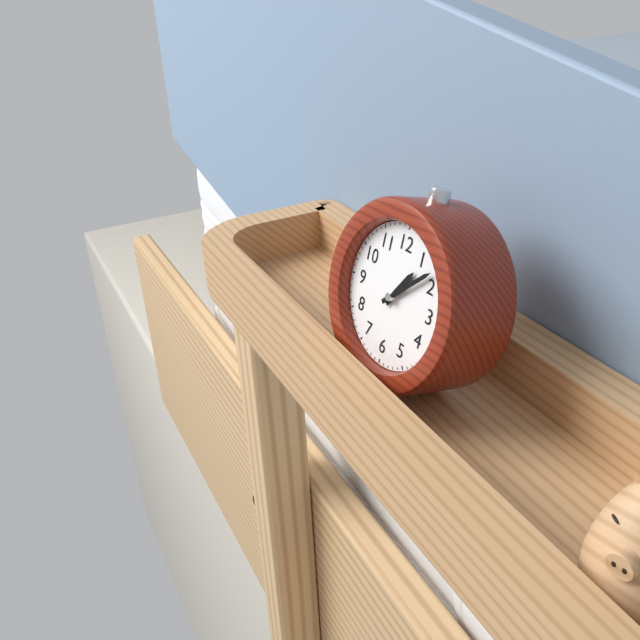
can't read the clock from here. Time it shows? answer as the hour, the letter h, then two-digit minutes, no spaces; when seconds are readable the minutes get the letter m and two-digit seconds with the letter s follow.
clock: 1h08
